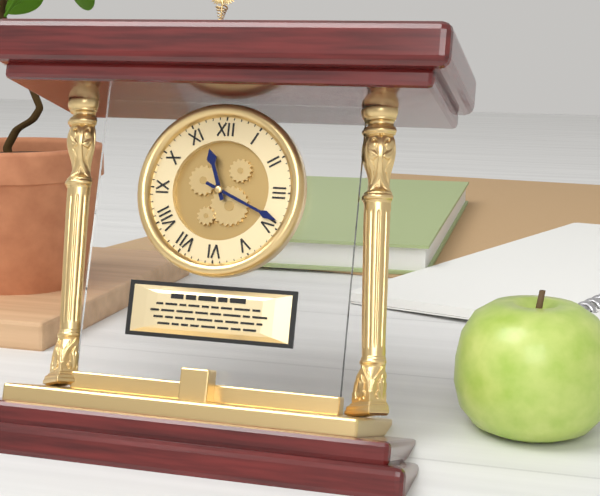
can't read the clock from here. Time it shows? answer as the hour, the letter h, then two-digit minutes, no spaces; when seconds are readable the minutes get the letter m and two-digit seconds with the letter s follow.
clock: 11h19
